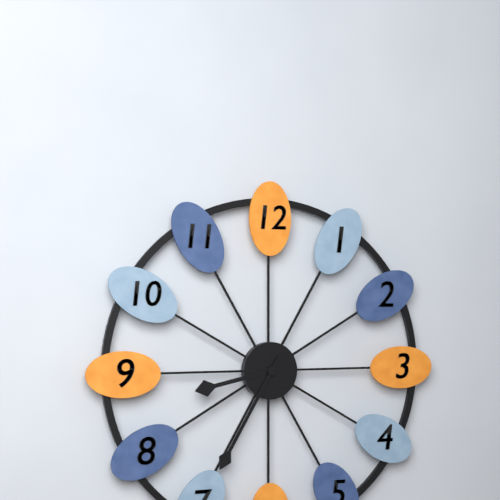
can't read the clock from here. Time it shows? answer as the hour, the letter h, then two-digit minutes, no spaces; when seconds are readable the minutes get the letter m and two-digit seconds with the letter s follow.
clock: 8h35
